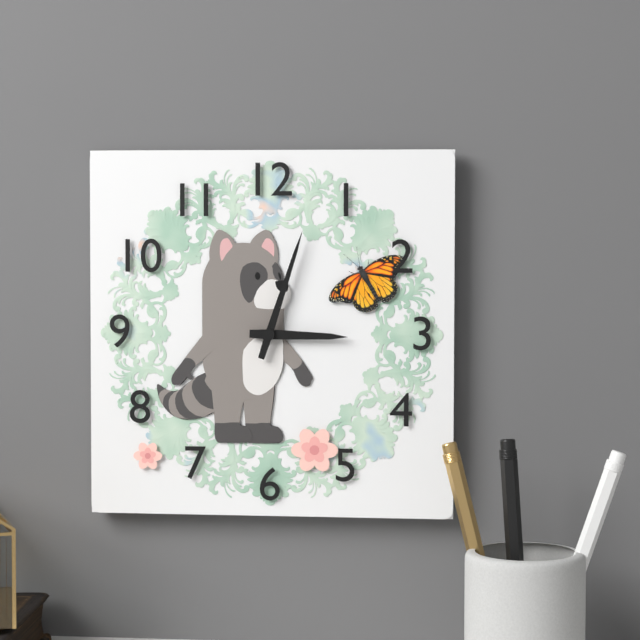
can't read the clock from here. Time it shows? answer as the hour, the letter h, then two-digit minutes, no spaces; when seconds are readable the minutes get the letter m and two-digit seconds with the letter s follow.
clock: 3h03
